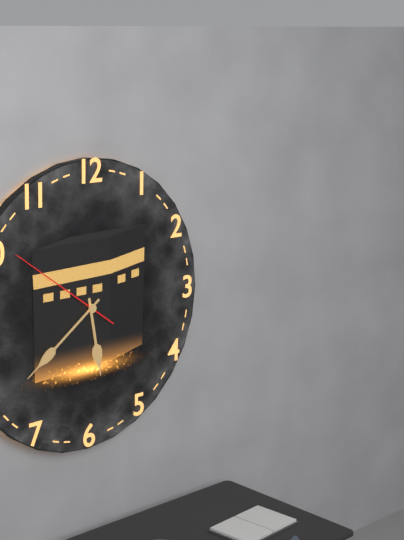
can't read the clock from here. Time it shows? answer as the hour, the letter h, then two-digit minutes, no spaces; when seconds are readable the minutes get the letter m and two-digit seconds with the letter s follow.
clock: 5h39m51s
